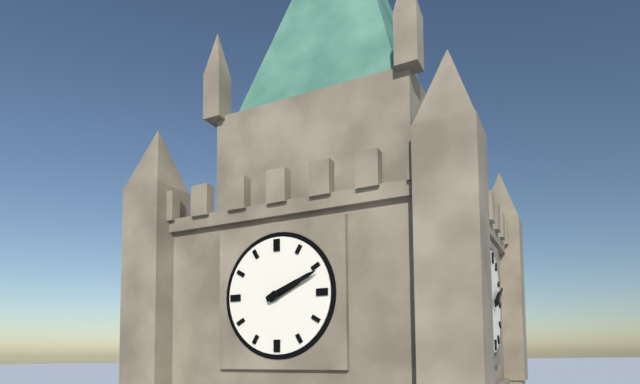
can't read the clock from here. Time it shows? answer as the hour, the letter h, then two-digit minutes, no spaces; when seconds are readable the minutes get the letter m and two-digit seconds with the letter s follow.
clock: 2h11
